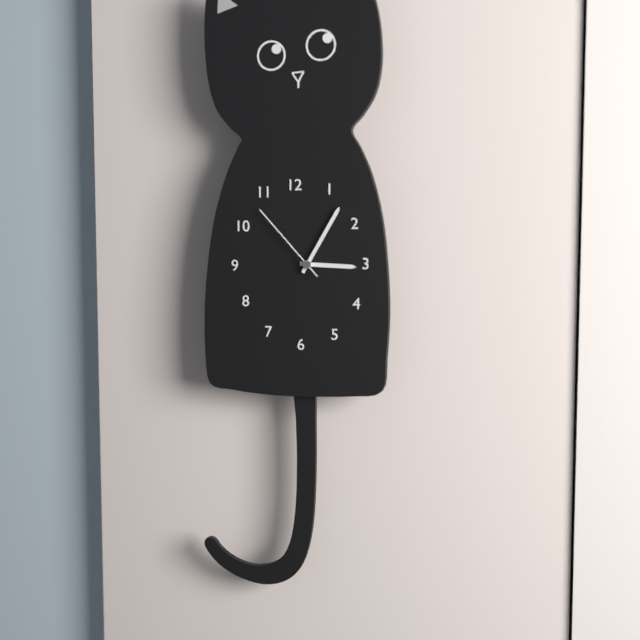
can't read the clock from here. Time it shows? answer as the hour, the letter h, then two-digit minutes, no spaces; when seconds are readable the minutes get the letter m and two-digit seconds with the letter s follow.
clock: 3h05m53s
